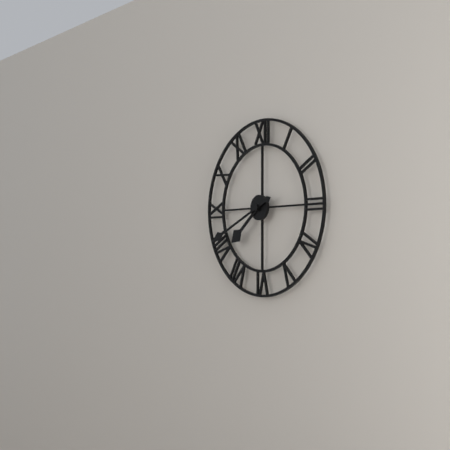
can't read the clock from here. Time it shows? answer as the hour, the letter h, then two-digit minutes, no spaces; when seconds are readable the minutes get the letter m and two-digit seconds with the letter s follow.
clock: 7h41
